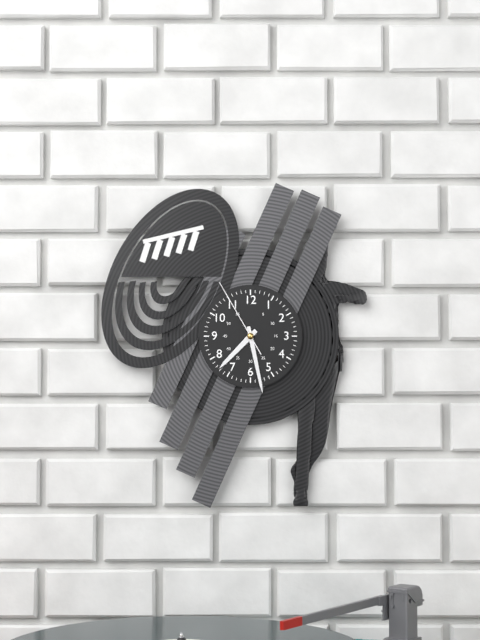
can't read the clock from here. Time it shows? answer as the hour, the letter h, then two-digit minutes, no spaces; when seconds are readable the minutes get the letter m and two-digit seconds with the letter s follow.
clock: 7h28m55s
